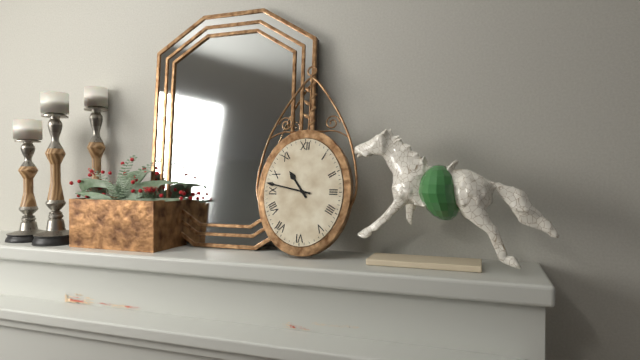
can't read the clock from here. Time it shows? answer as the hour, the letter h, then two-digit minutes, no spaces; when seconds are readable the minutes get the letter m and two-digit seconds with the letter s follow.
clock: 10h47
